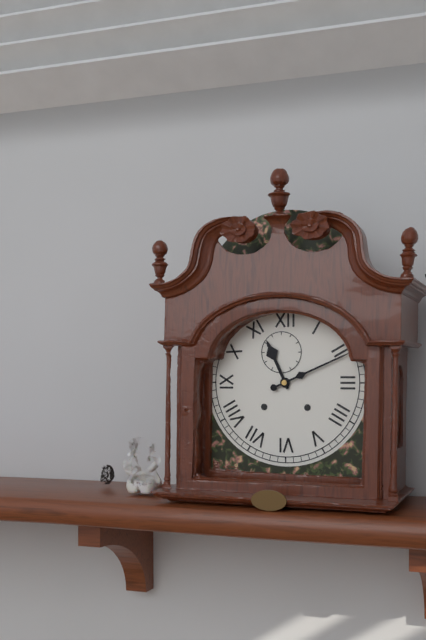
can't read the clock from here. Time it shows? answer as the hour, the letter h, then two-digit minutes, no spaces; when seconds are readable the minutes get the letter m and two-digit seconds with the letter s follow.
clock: 11h11
